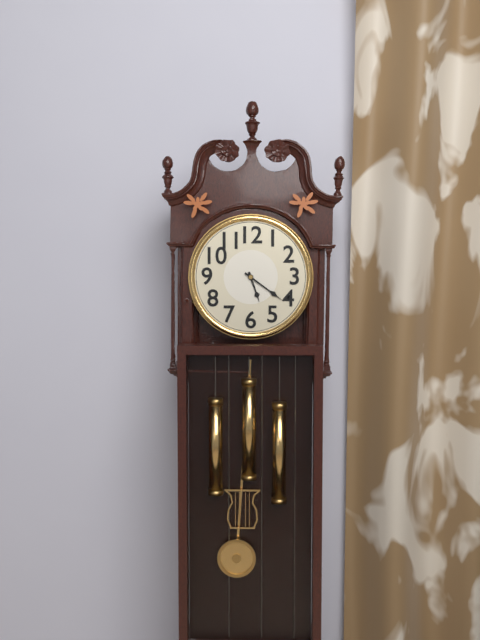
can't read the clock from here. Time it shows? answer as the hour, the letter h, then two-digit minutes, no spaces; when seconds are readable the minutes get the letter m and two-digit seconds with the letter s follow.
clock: 5h21
